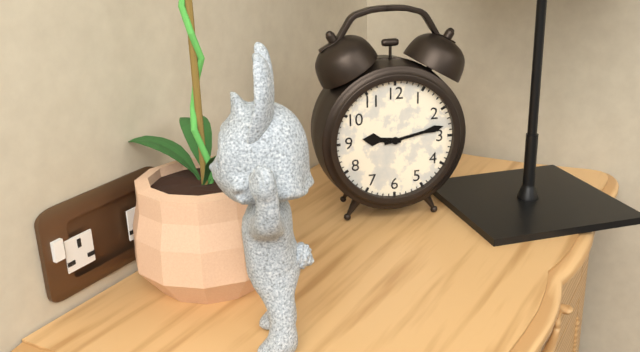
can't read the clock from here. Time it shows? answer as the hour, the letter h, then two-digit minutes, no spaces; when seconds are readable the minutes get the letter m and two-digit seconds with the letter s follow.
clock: 9h13
